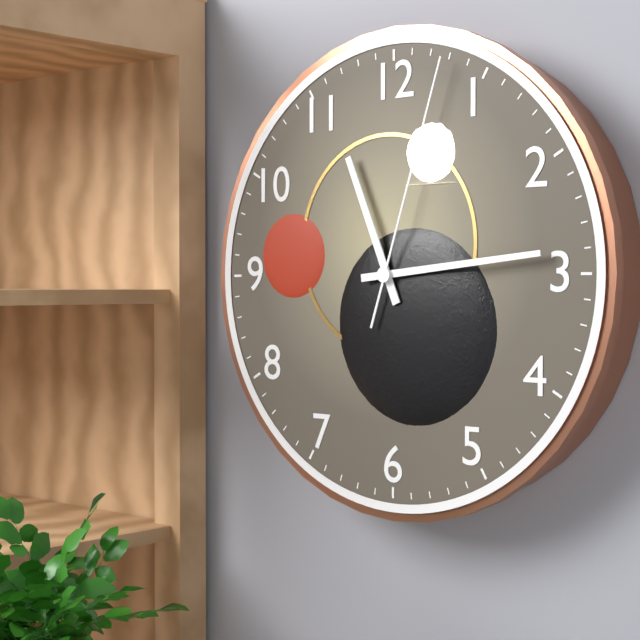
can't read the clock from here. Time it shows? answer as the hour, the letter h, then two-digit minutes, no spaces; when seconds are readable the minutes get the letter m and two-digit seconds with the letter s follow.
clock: 11h14m03s
